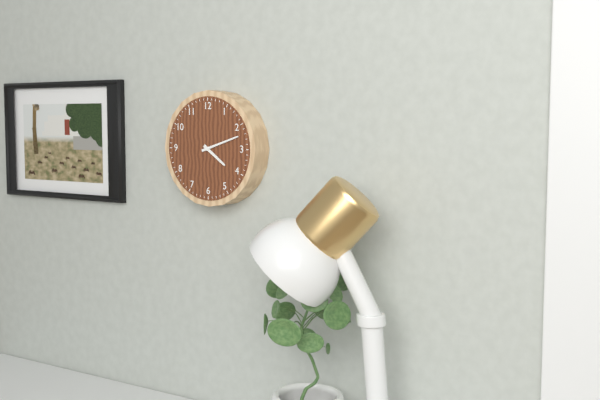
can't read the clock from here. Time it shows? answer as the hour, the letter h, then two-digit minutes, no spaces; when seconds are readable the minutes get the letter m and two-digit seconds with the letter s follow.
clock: 4h12
